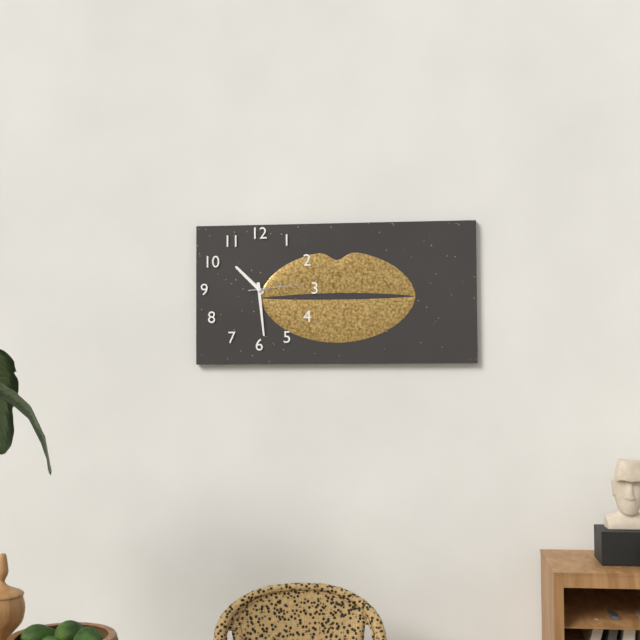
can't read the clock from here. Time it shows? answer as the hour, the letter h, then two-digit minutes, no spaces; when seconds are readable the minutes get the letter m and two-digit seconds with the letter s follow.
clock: 10h29m14s
